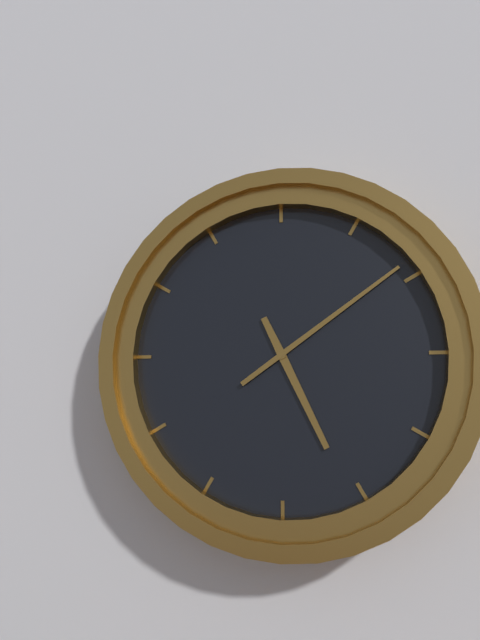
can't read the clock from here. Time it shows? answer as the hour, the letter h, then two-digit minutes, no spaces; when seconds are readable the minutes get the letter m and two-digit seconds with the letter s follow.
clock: 5h09
